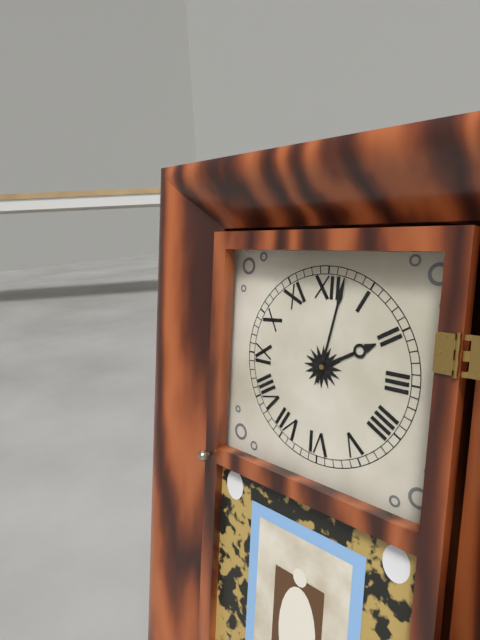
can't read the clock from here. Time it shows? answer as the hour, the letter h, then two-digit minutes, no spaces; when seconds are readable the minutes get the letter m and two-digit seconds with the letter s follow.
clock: 2h02
